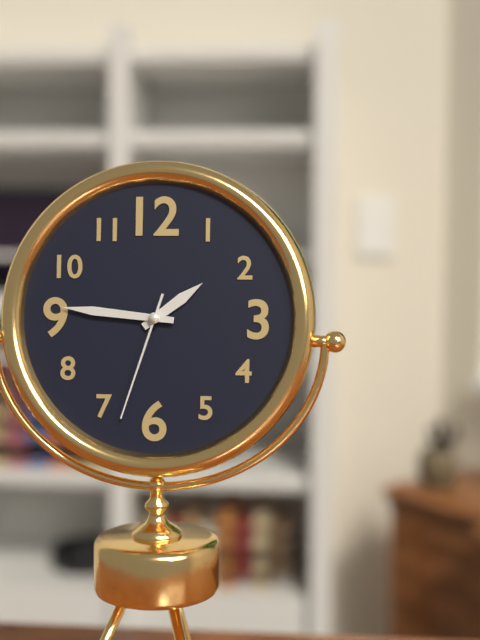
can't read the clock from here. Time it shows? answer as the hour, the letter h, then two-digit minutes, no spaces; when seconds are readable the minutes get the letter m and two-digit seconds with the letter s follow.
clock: 1h46m33s
